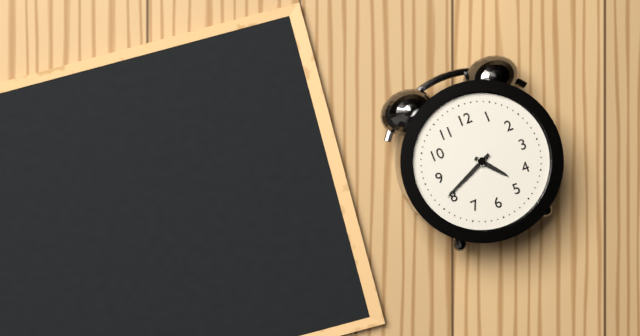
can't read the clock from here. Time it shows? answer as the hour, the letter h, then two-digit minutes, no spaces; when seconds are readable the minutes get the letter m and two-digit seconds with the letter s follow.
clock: 4h41
